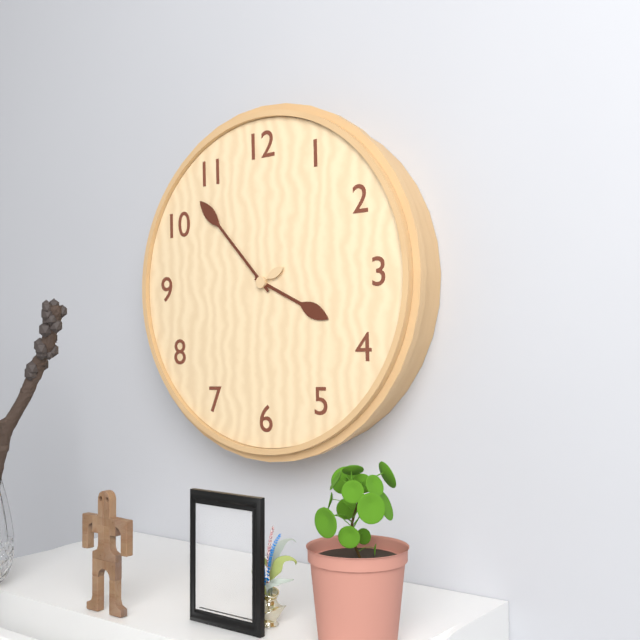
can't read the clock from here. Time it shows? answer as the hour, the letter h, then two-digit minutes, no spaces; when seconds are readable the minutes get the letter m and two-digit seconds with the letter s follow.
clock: 3h53
